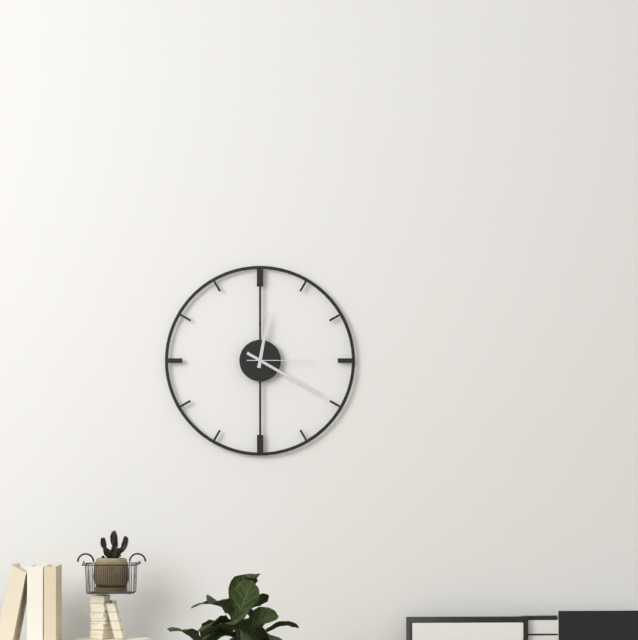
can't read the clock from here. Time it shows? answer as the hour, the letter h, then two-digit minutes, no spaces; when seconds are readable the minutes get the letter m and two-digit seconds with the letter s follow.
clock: 12h20m15s
